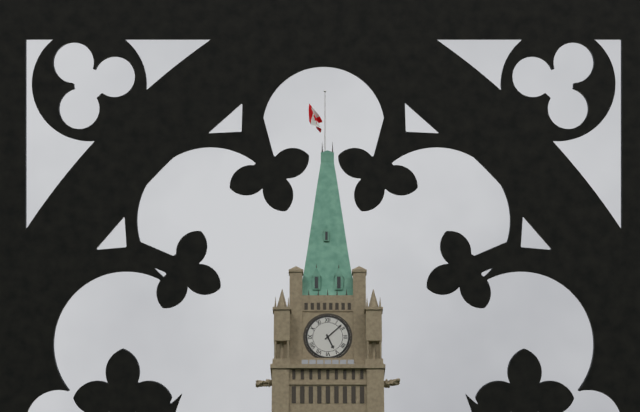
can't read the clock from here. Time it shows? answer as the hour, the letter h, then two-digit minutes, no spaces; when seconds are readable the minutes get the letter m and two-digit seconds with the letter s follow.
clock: 5h08
